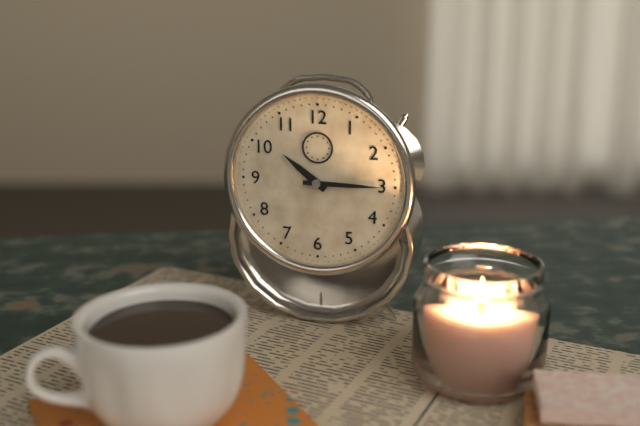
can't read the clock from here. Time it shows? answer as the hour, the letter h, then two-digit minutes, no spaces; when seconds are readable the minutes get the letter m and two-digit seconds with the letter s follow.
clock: 10h15
